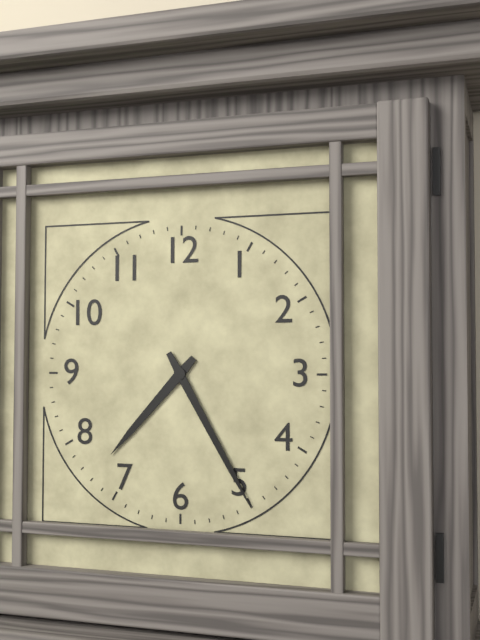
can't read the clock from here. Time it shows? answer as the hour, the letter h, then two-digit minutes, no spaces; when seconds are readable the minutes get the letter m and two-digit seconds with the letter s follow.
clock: 7h25
